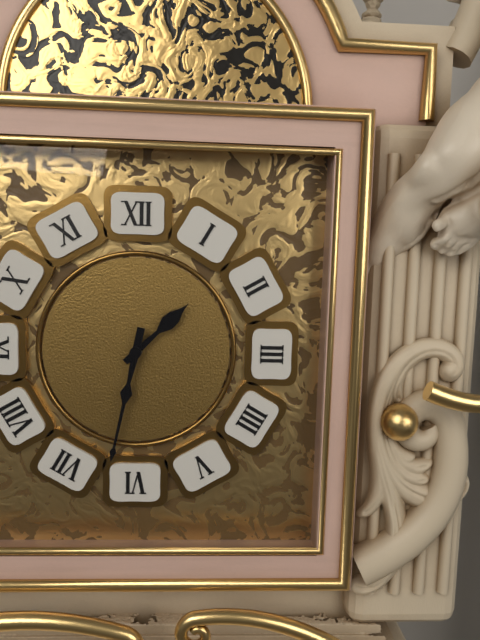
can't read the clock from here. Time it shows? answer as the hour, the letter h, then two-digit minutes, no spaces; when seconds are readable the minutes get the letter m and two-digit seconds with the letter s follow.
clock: 1h32
